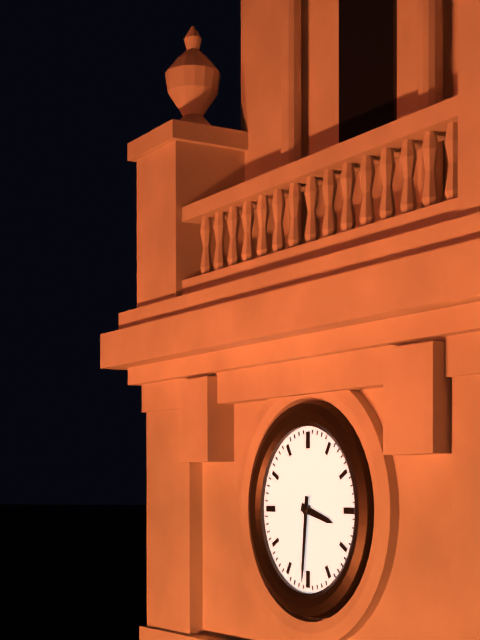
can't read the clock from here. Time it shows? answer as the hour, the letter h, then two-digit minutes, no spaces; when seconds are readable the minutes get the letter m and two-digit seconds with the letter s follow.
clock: 3h31
